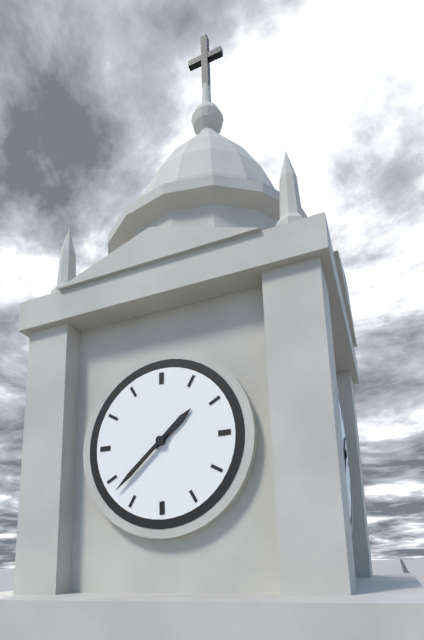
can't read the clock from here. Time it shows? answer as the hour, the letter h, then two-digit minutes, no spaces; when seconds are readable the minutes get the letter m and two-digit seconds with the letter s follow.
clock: 1h38
